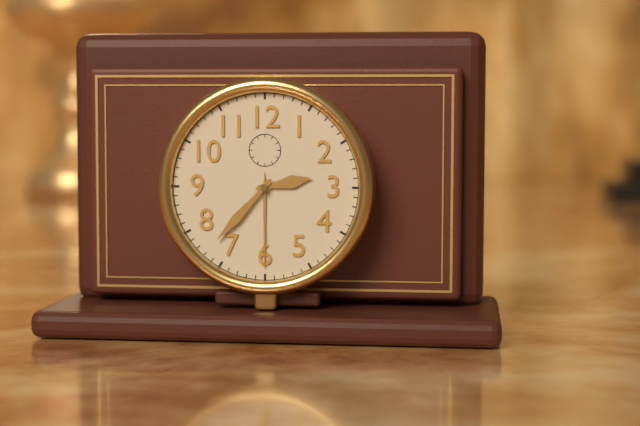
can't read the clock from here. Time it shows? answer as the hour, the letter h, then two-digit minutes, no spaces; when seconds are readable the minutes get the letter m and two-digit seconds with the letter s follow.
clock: 2h37
